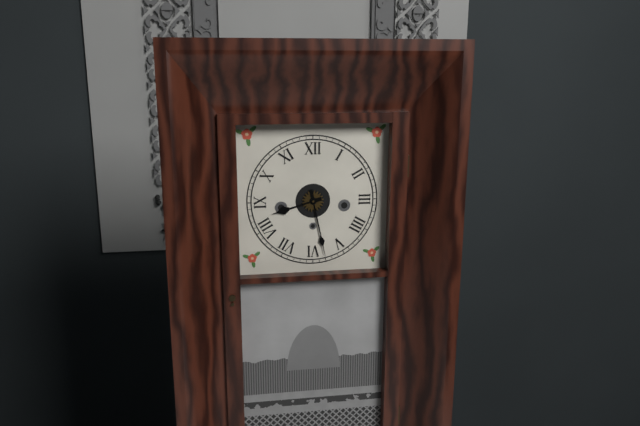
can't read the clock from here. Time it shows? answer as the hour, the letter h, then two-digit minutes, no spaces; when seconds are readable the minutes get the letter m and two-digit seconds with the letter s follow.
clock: 8h28
